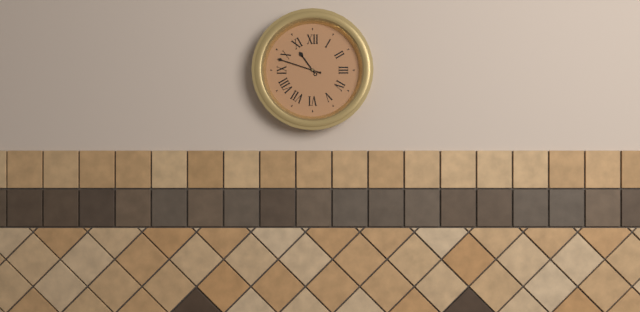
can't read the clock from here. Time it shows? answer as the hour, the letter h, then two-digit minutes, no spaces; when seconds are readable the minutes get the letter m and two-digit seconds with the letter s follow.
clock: 10h48
